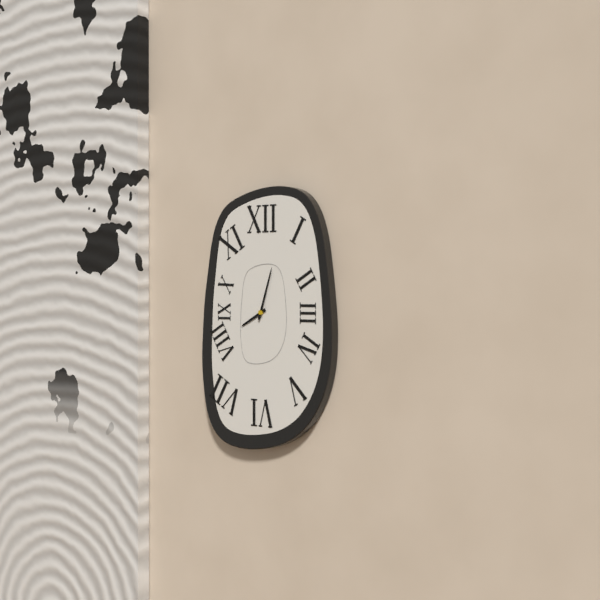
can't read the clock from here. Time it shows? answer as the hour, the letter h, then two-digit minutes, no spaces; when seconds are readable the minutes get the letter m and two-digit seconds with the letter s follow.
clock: 8h03
